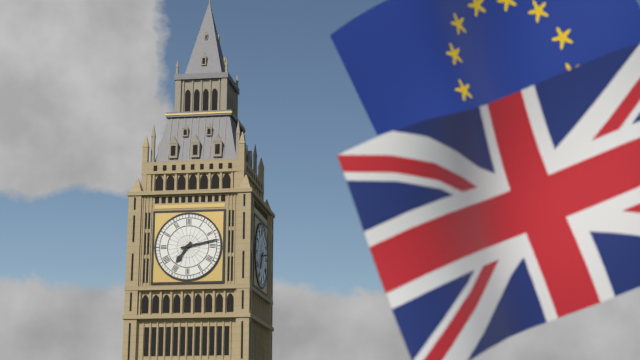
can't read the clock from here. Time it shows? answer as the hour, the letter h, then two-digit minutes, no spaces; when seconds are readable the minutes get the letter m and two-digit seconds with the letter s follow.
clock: 7h13
